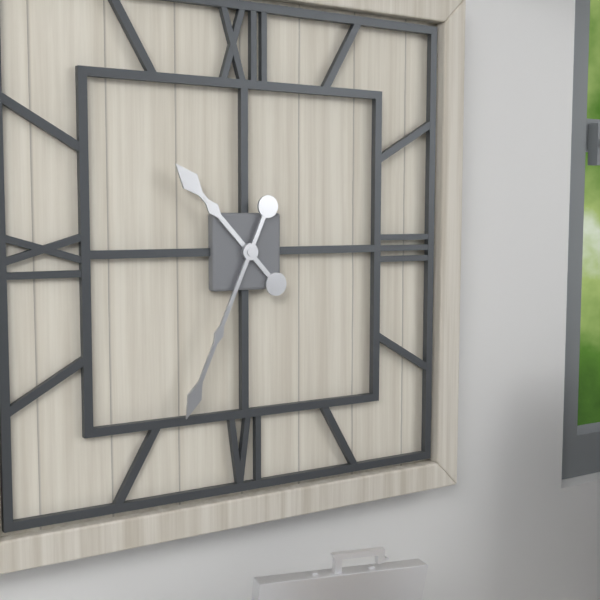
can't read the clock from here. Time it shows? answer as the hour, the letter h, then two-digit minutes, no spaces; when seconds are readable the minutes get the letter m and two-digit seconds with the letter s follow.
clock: 10h34
